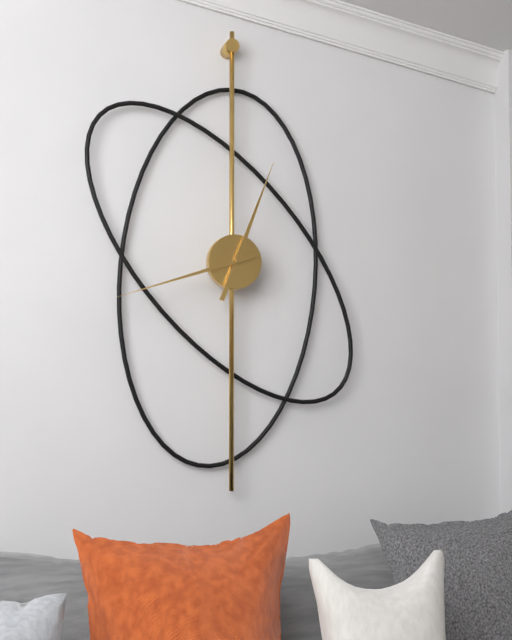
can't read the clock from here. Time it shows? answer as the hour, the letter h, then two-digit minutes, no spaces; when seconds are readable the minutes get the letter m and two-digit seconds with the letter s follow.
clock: 12h42
